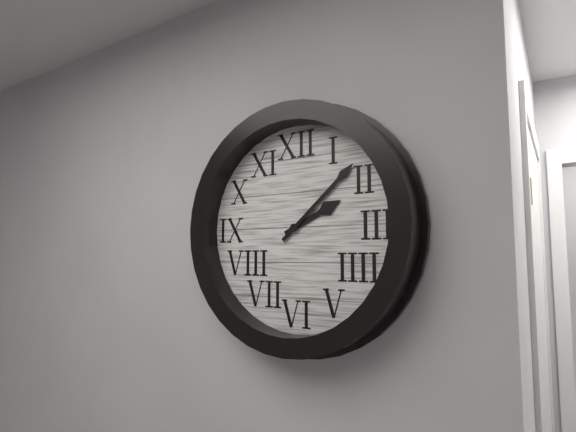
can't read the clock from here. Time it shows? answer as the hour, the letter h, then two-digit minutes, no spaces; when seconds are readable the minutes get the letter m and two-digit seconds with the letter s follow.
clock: 2h08
